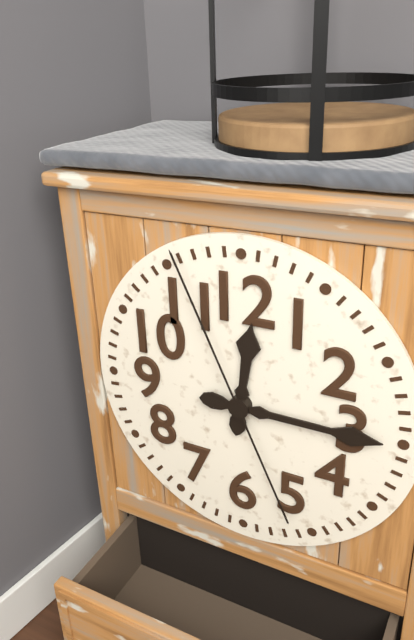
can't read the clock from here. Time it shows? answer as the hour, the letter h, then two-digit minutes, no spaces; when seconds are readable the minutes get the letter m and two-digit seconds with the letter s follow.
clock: 12h15m56s
